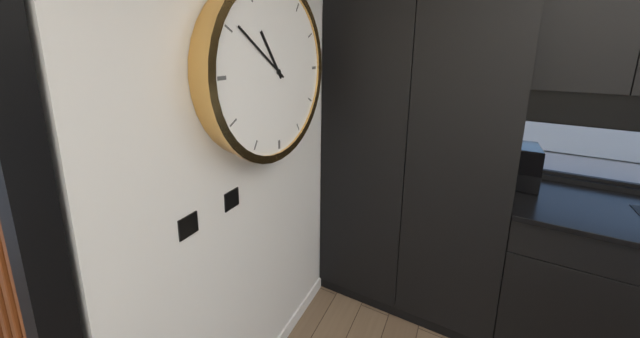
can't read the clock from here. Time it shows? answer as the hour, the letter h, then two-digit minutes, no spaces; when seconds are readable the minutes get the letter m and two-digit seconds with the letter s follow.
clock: 10h51
